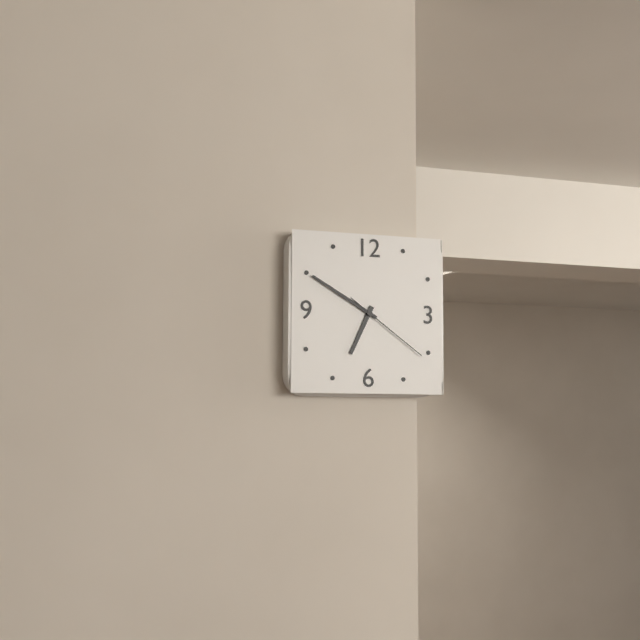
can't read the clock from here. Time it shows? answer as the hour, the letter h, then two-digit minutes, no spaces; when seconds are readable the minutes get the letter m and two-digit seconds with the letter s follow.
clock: 6h50m21s
